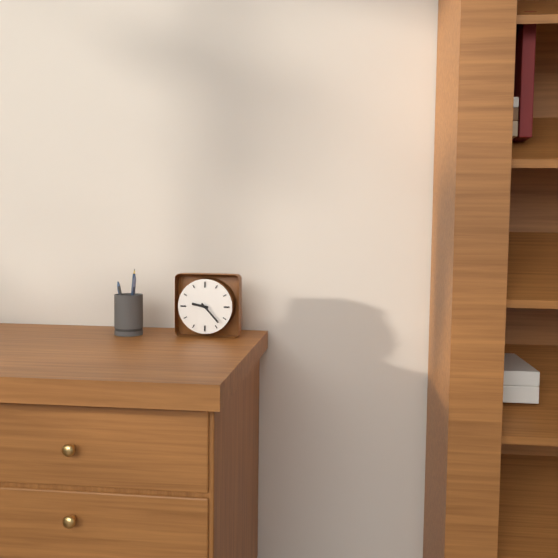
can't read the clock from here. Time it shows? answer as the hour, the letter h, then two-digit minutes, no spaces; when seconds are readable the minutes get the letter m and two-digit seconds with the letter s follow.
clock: 9h23
